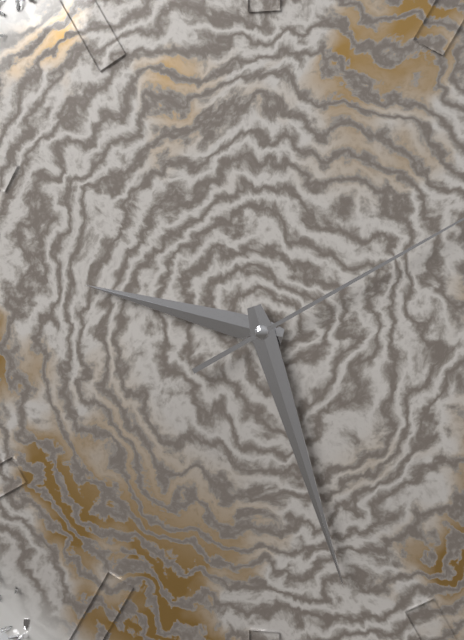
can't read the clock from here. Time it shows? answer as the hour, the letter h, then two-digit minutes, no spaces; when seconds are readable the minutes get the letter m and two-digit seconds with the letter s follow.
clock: 9h27
